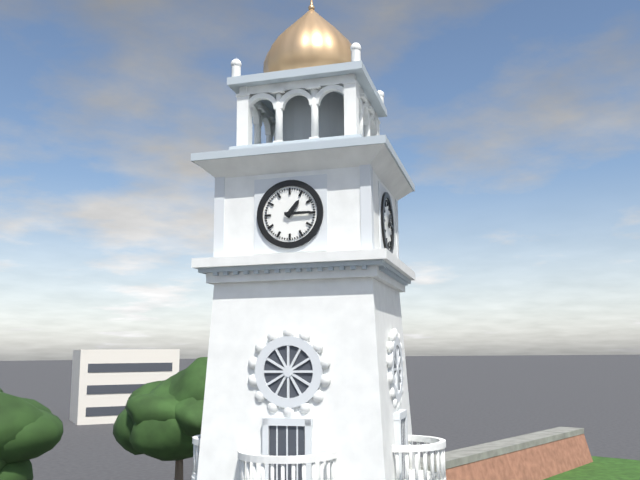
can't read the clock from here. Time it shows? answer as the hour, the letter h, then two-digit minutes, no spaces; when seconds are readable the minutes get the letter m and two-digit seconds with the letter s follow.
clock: 1h15
